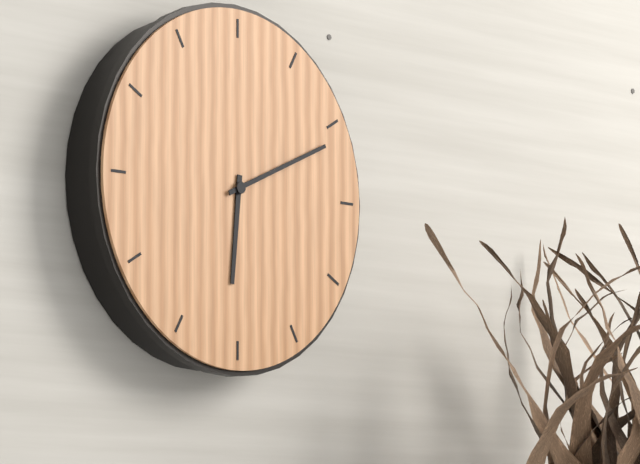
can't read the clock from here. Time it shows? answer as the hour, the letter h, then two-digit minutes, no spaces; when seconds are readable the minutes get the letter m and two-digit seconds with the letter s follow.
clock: 6h11
